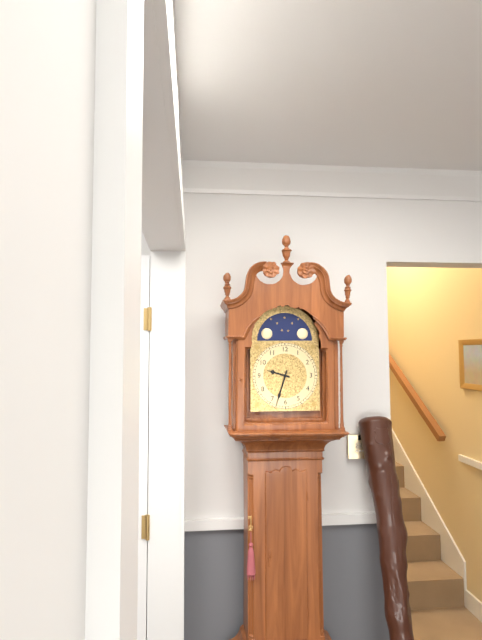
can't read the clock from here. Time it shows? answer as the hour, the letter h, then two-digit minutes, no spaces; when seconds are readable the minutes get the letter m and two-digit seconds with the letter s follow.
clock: 9h33
